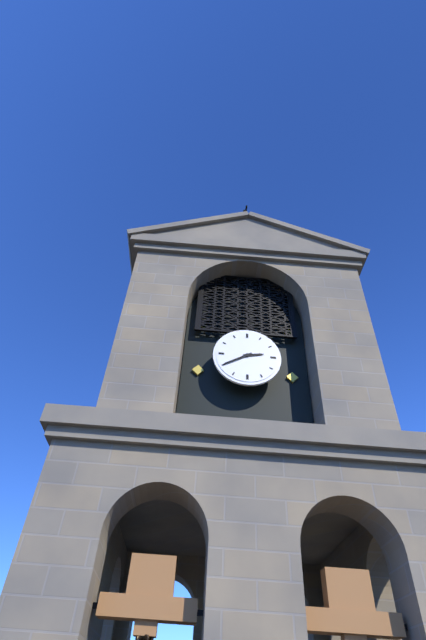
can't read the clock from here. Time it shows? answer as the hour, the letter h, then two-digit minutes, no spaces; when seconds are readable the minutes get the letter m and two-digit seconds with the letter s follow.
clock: 2h40
